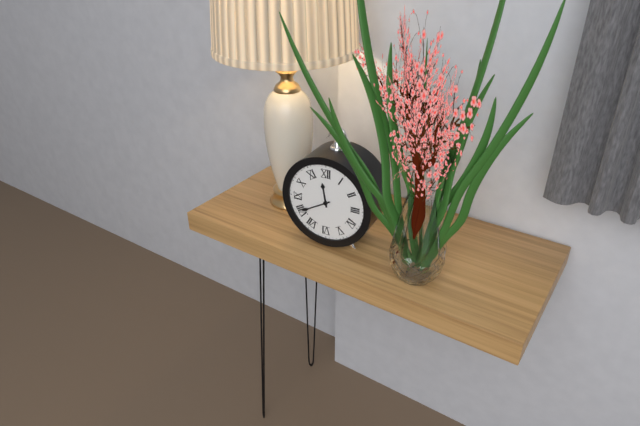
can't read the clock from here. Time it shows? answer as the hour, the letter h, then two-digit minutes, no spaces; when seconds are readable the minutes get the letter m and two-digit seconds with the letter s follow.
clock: 11h40
